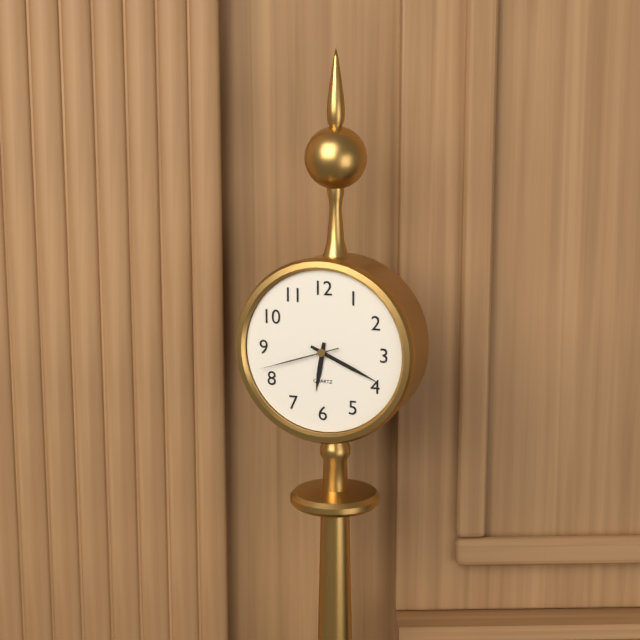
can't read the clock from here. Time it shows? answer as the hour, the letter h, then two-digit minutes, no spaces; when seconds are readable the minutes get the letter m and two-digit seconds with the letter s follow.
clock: 6h19m42s
